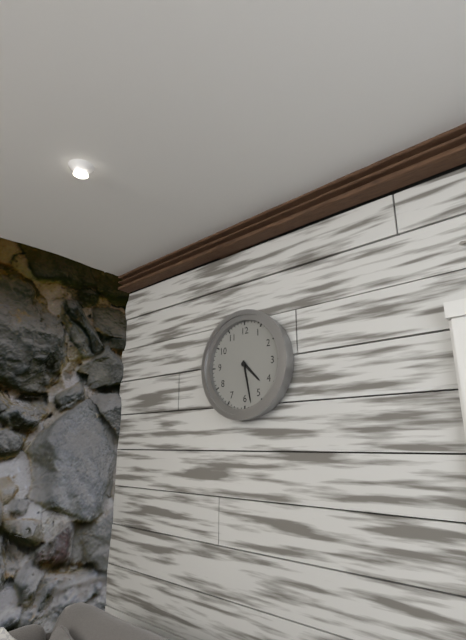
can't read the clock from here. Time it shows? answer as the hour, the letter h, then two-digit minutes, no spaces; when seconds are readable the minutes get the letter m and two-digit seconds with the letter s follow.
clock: 4h28
